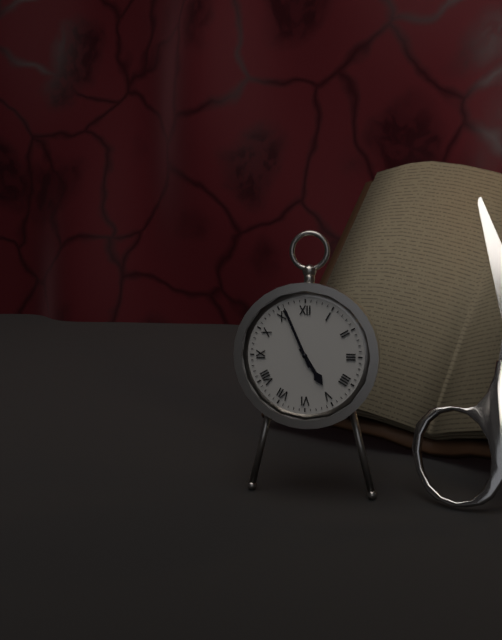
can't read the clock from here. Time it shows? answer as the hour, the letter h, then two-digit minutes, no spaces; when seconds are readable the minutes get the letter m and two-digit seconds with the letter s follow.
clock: 4h56
